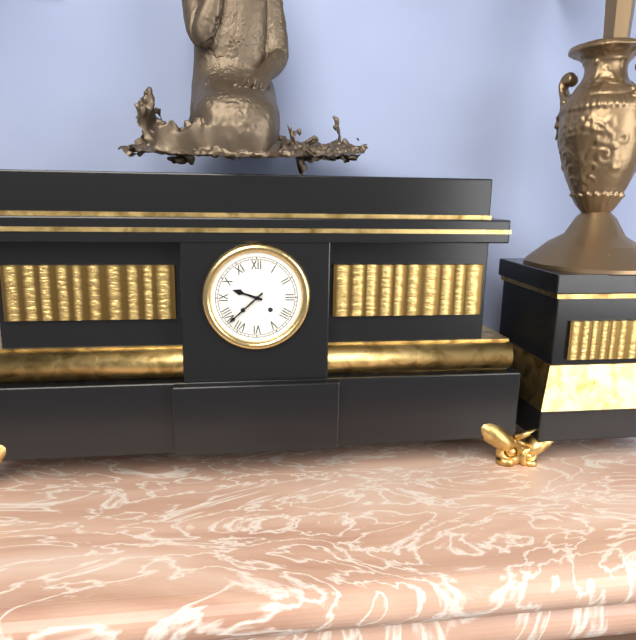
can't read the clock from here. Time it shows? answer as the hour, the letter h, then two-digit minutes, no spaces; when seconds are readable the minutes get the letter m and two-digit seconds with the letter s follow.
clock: 9h38
